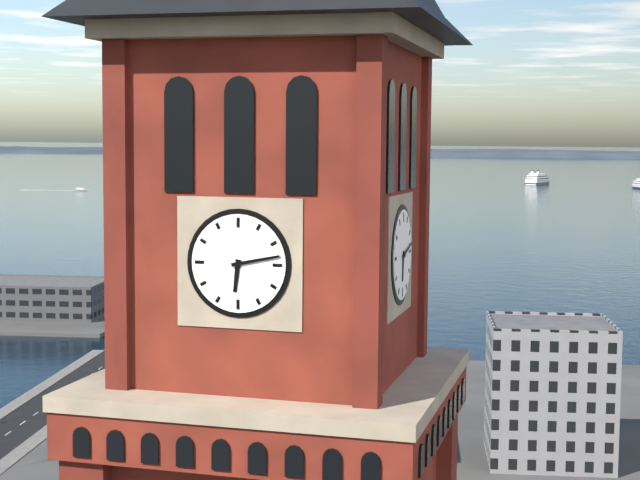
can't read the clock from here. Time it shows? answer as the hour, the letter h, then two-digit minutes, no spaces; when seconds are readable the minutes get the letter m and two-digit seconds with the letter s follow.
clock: 6h13
